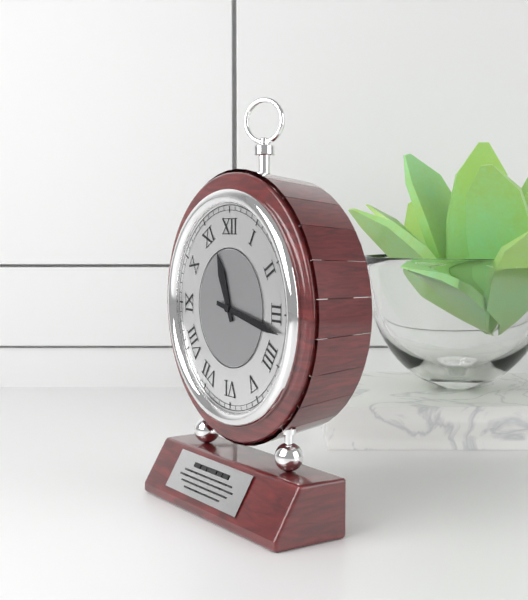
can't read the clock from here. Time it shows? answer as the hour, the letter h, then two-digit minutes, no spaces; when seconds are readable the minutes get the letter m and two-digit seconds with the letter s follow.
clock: 11h17
